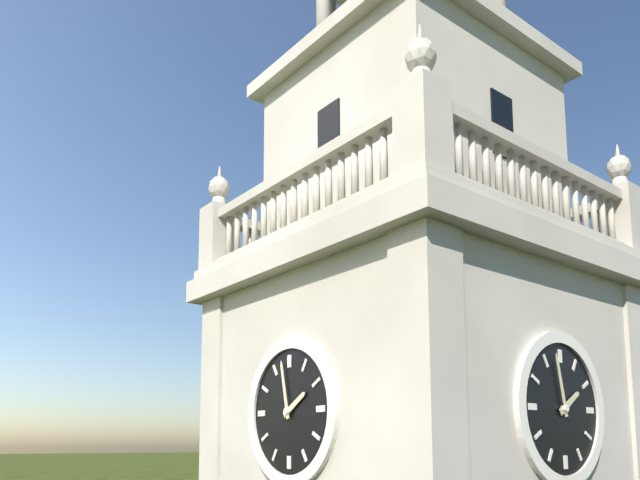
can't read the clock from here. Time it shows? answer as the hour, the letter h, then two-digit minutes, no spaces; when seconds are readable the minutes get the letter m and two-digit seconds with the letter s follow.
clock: 1h58
